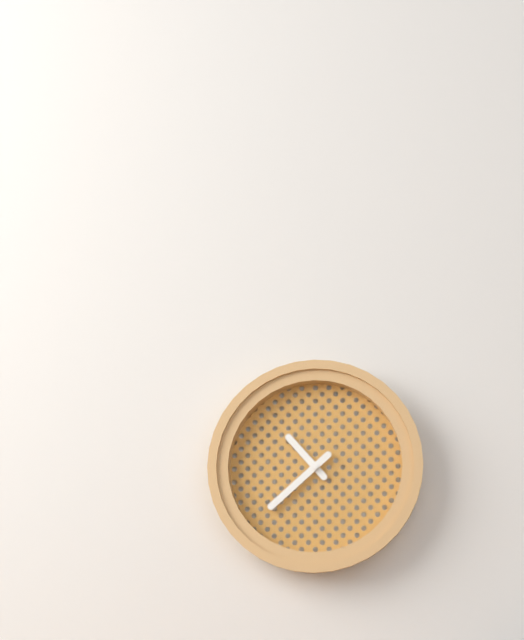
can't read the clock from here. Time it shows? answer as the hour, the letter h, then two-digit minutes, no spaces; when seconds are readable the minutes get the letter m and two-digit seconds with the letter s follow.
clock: 10h38
